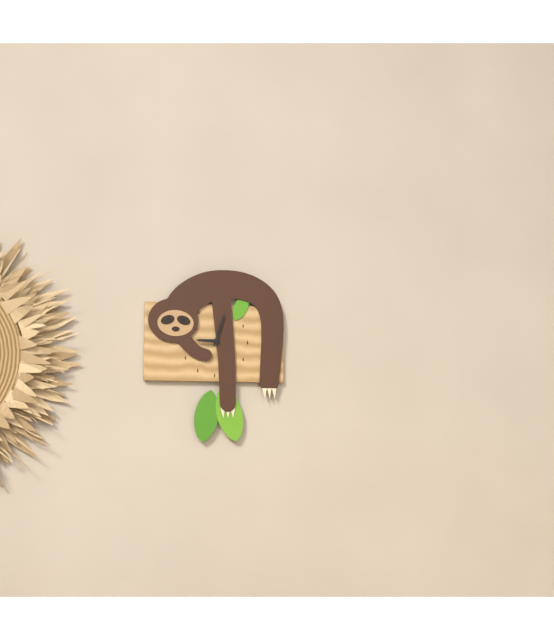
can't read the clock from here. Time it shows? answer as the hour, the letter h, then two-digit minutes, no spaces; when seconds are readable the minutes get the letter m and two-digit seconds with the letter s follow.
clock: 9h03
